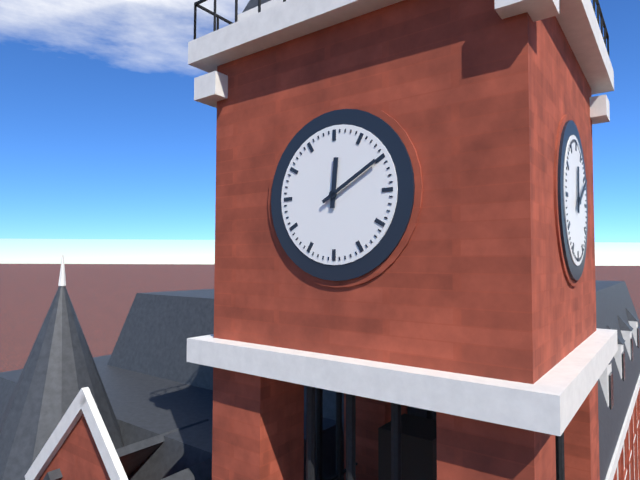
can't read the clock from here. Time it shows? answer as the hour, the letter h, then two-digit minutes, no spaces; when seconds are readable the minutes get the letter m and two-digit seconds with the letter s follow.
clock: 12h10
